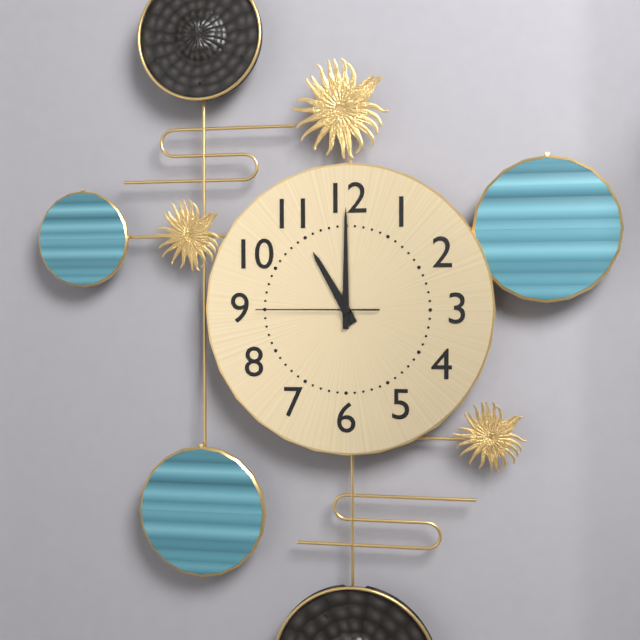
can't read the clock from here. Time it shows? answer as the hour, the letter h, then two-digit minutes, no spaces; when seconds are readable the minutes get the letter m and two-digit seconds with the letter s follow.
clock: 11h00m45s
